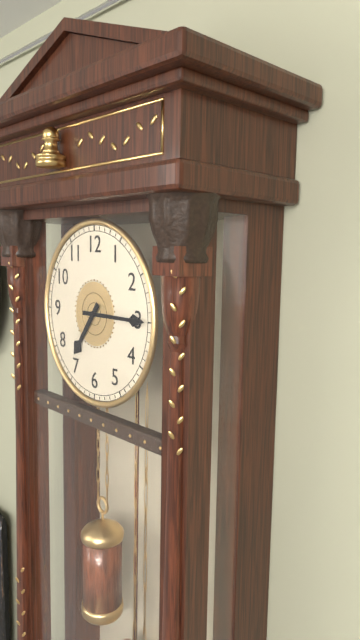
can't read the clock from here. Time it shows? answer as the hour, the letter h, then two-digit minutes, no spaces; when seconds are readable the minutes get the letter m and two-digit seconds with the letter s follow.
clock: 7h15
